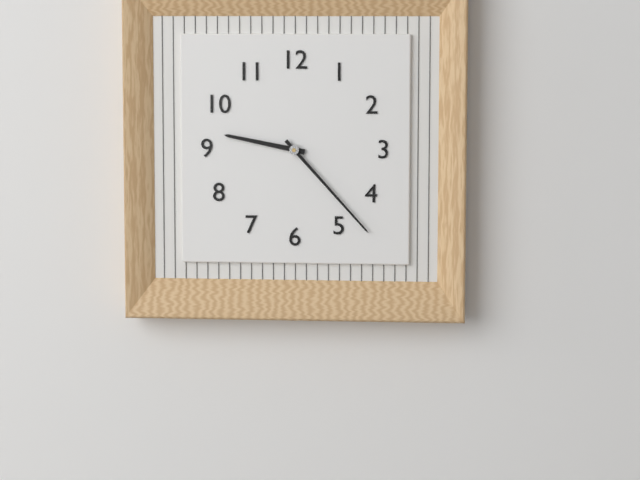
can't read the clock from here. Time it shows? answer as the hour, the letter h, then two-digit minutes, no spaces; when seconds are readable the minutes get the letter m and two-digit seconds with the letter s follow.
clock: 9h23
